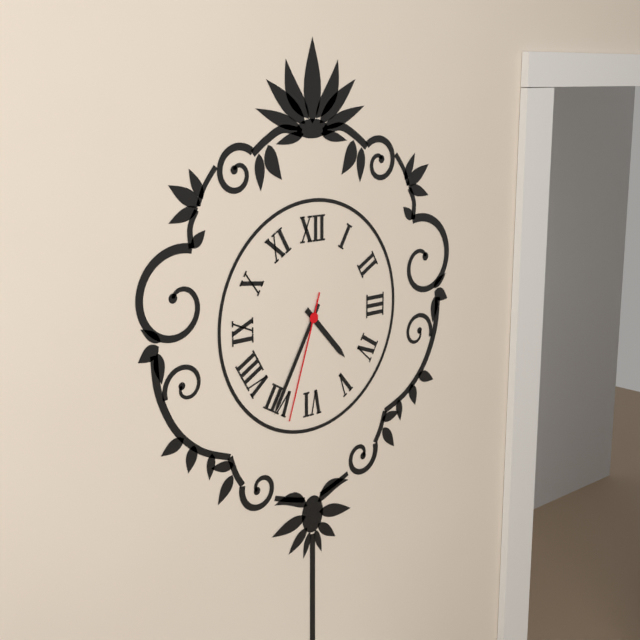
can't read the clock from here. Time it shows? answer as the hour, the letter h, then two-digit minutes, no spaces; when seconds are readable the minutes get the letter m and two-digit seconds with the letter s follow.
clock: 4h35m33s
